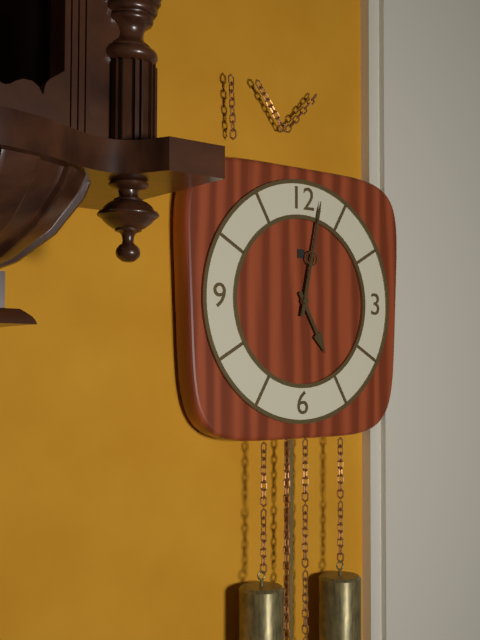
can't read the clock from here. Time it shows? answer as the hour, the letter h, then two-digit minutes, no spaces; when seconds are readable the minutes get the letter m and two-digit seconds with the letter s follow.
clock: 5h02
